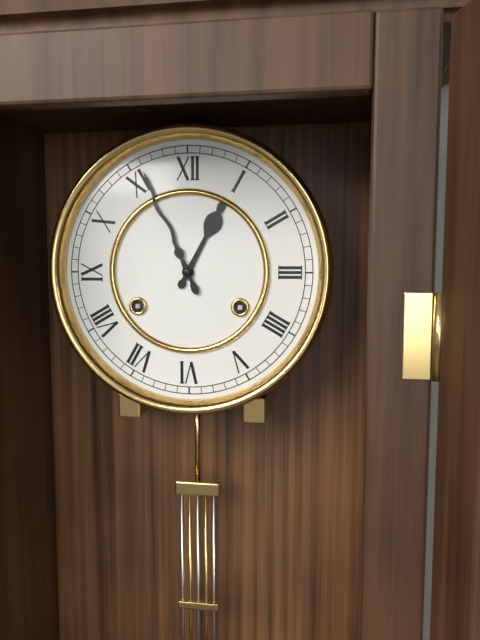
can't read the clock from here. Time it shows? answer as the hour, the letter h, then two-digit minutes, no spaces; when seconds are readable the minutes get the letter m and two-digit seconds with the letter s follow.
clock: 12h56
